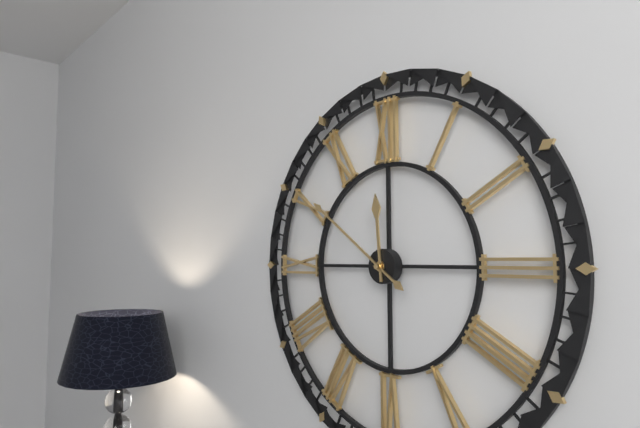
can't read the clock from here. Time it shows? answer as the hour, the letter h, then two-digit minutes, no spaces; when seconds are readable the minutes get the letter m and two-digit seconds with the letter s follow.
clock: 11h51
